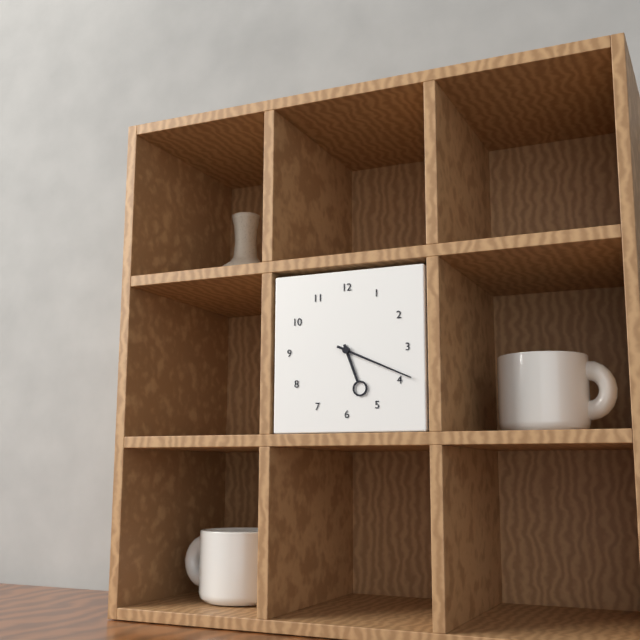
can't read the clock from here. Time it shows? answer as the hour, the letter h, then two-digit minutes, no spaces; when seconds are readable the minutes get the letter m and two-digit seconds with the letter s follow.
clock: 5h19
